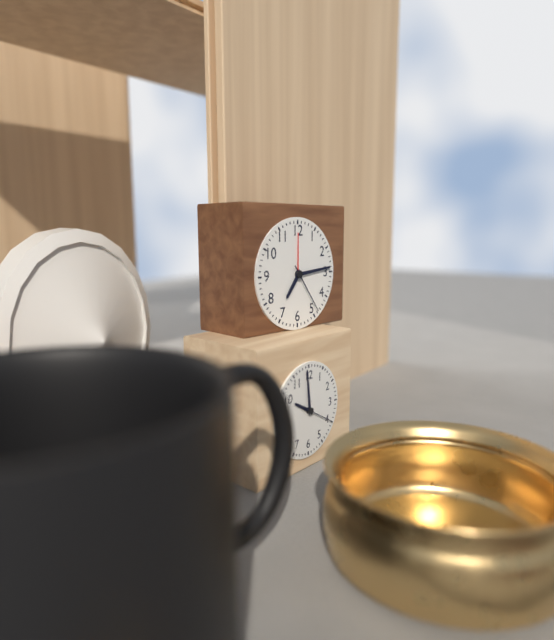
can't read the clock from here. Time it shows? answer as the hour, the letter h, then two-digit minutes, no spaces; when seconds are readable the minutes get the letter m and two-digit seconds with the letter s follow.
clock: 7h14m24s
